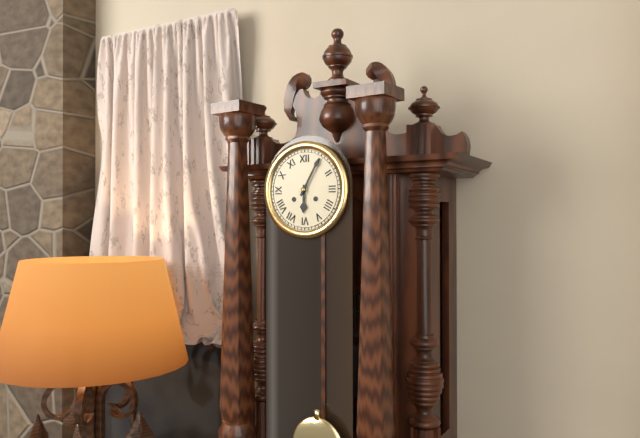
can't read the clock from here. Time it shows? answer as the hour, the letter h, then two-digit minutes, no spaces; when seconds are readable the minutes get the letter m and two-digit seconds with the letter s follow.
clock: 6h05
